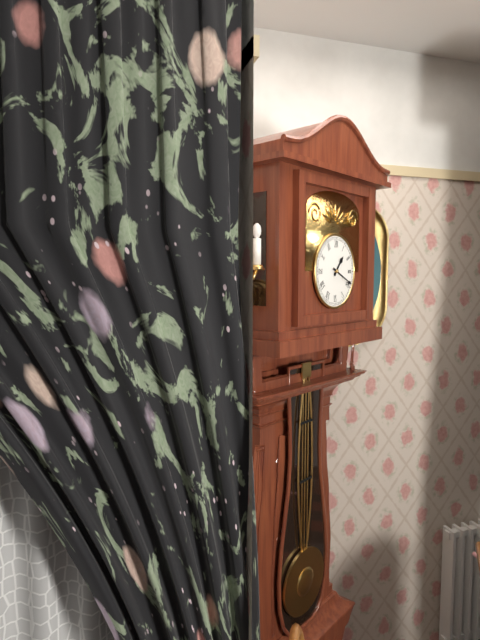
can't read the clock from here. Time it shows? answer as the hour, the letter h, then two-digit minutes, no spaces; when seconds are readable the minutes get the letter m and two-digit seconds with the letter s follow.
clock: 1h19
